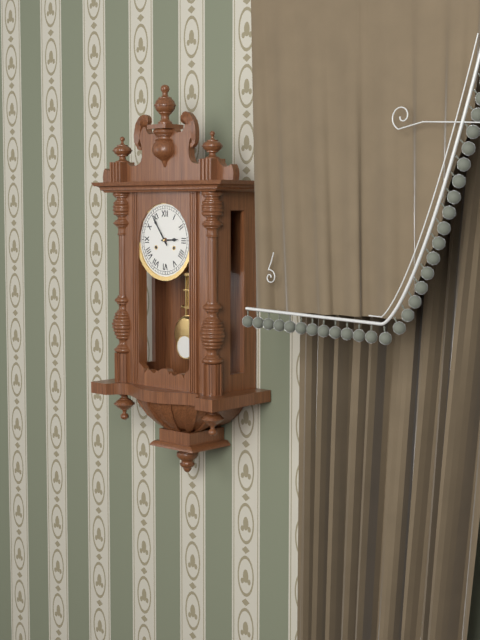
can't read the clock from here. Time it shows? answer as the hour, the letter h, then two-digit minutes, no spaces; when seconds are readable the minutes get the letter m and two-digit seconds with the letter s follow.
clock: 2h54
